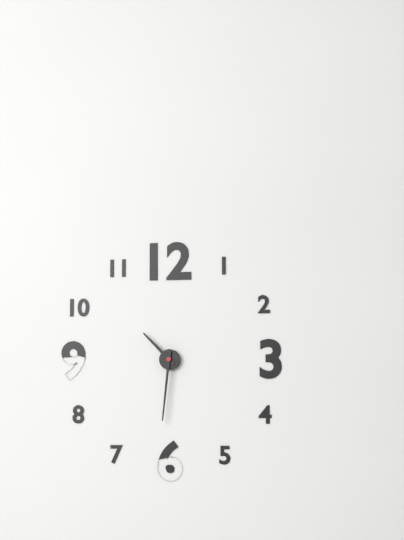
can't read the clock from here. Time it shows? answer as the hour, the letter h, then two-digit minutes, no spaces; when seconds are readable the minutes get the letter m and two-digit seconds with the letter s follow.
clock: 10h31
